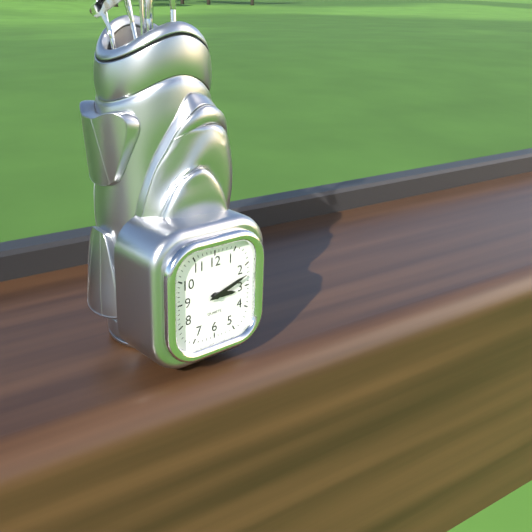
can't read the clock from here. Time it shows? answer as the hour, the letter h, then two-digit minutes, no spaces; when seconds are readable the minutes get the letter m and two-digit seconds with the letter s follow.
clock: 3h12
